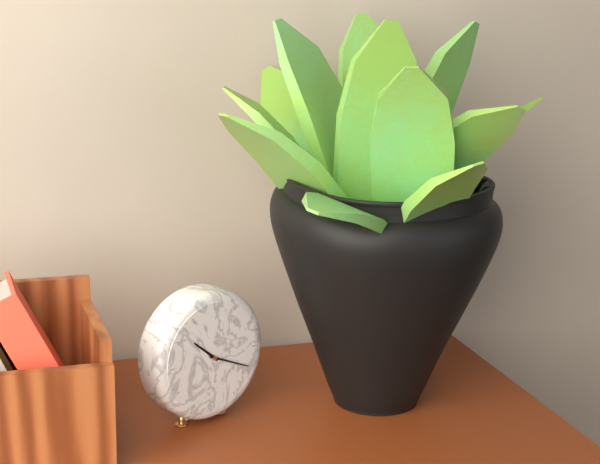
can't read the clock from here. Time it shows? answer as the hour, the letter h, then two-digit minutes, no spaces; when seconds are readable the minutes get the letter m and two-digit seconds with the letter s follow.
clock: 10h19
